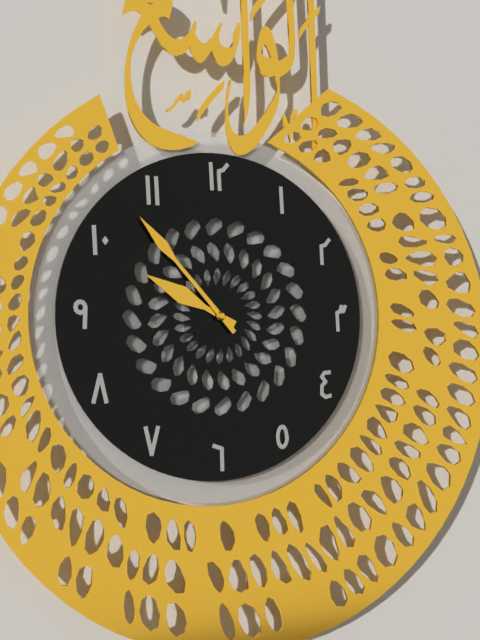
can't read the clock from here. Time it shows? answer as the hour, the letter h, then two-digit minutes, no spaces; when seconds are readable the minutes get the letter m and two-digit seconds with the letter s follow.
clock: 9h53
